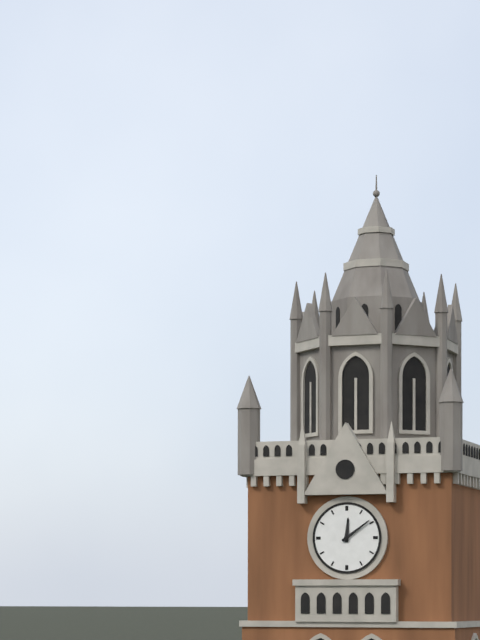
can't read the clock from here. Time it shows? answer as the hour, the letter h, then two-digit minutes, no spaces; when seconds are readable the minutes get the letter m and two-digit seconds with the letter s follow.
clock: 12h09
